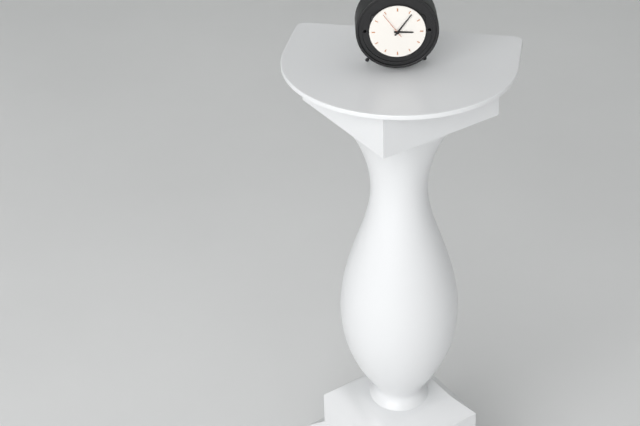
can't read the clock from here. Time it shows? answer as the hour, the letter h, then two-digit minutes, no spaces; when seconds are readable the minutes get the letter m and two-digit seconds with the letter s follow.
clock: 3h06
